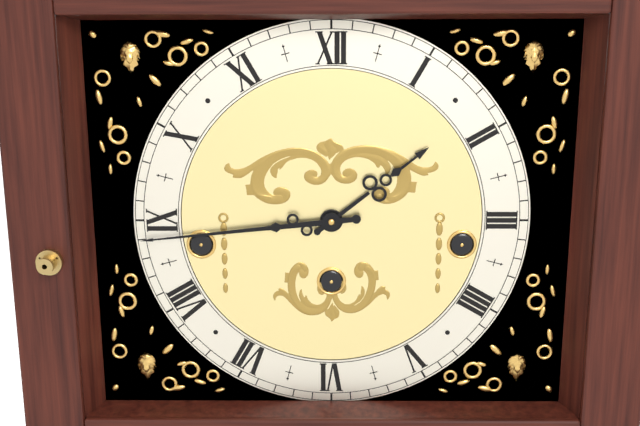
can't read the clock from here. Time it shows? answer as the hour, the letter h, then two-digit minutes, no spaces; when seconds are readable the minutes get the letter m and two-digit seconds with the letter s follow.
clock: 1h44
